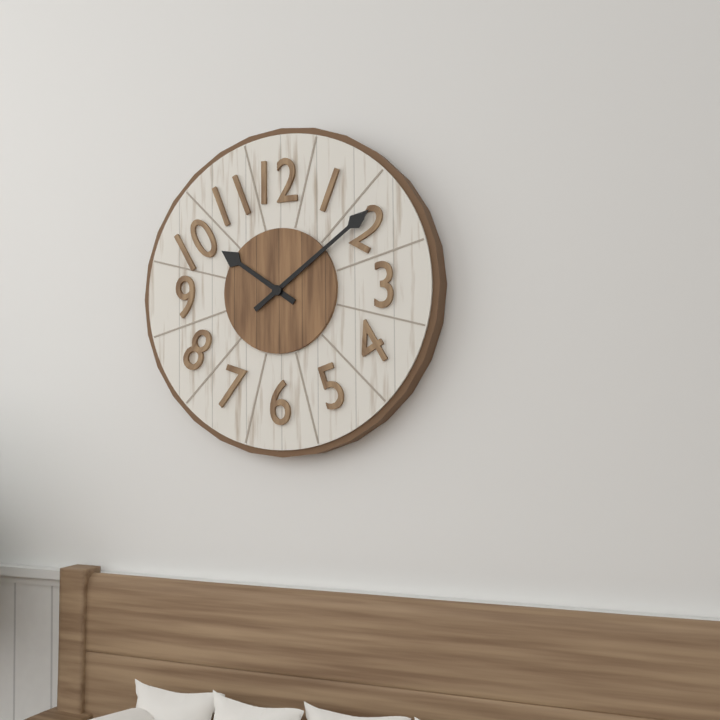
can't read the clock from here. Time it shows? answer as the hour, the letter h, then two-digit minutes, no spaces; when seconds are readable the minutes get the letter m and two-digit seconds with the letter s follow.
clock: 10h09
